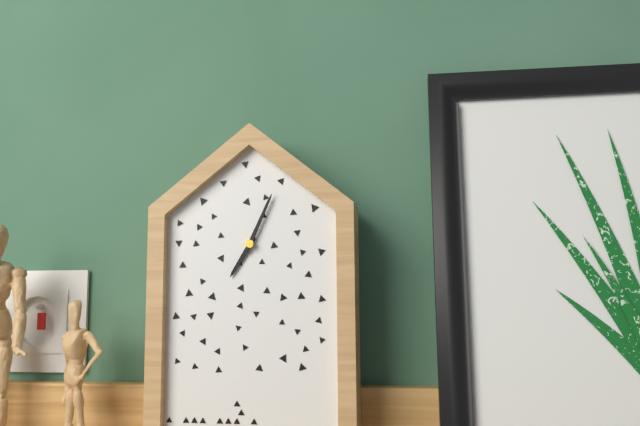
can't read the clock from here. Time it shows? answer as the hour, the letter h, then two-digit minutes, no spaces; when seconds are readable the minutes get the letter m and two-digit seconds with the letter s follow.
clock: 7h04
